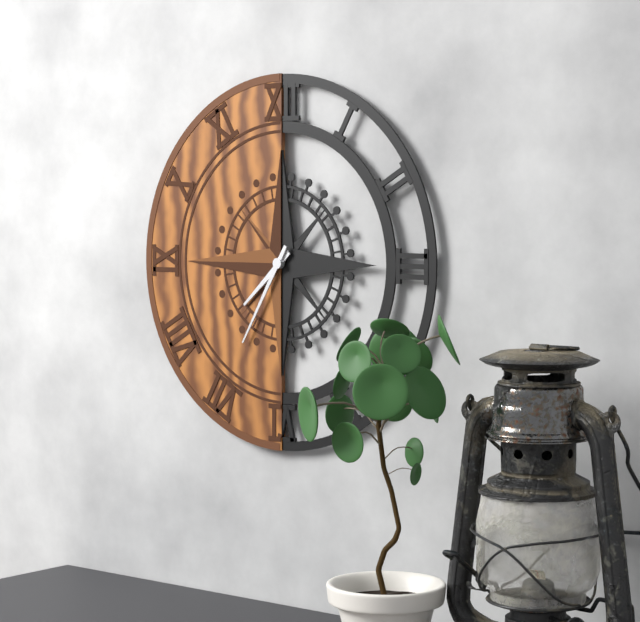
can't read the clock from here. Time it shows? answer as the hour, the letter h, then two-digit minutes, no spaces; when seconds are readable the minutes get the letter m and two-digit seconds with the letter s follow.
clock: 7h35
